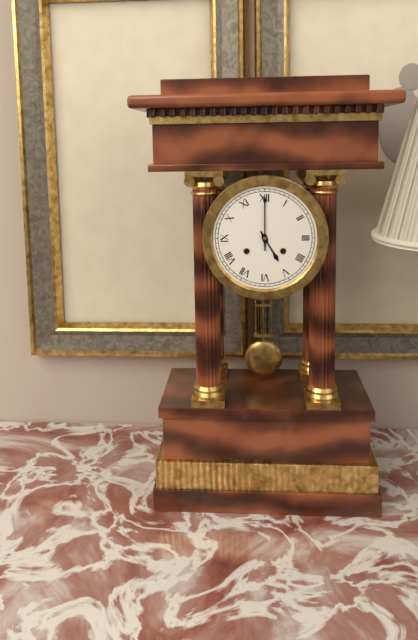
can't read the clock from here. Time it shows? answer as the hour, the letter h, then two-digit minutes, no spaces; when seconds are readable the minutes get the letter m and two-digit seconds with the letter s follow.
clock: 5h00
